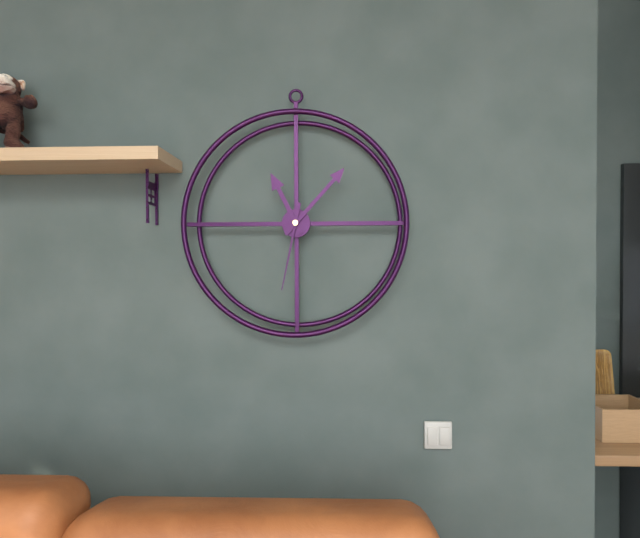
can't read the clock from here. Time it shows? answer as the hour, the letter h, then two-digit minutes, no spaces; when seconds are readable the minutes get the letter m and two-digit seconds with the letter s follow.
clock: 11h07m32s
